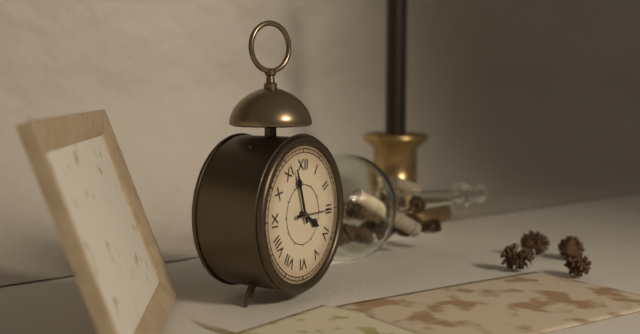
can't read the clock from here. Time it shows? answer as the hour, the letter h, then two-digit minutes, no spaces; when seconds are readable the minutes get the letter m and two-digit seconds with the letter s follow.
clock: 3h57
